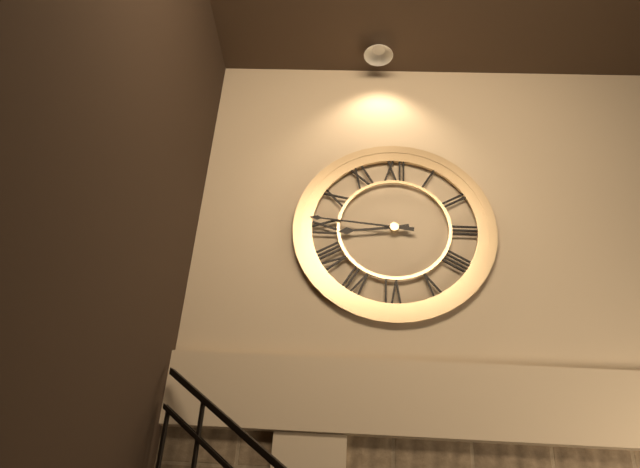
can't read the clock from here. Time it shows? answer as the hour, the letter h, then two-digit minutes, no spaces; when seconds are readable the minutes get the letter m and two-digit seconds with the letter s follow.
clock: 8h46
